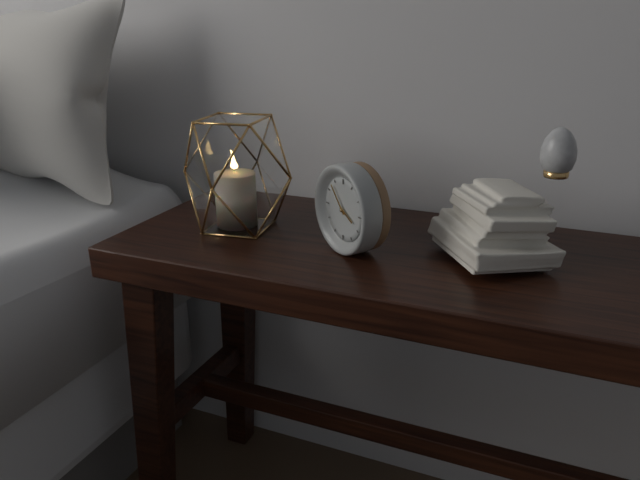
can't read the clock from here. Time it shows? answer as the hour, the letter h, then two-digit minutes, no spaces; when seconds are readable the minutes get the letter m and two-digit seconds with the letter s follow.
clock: 3h53
